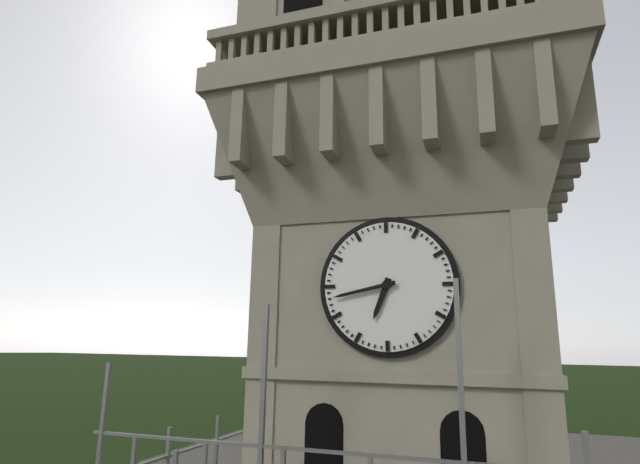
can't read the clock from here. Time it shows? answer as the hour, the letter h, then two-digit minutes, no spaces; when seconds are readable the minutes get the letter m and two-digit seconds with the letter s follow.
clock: 6h43
